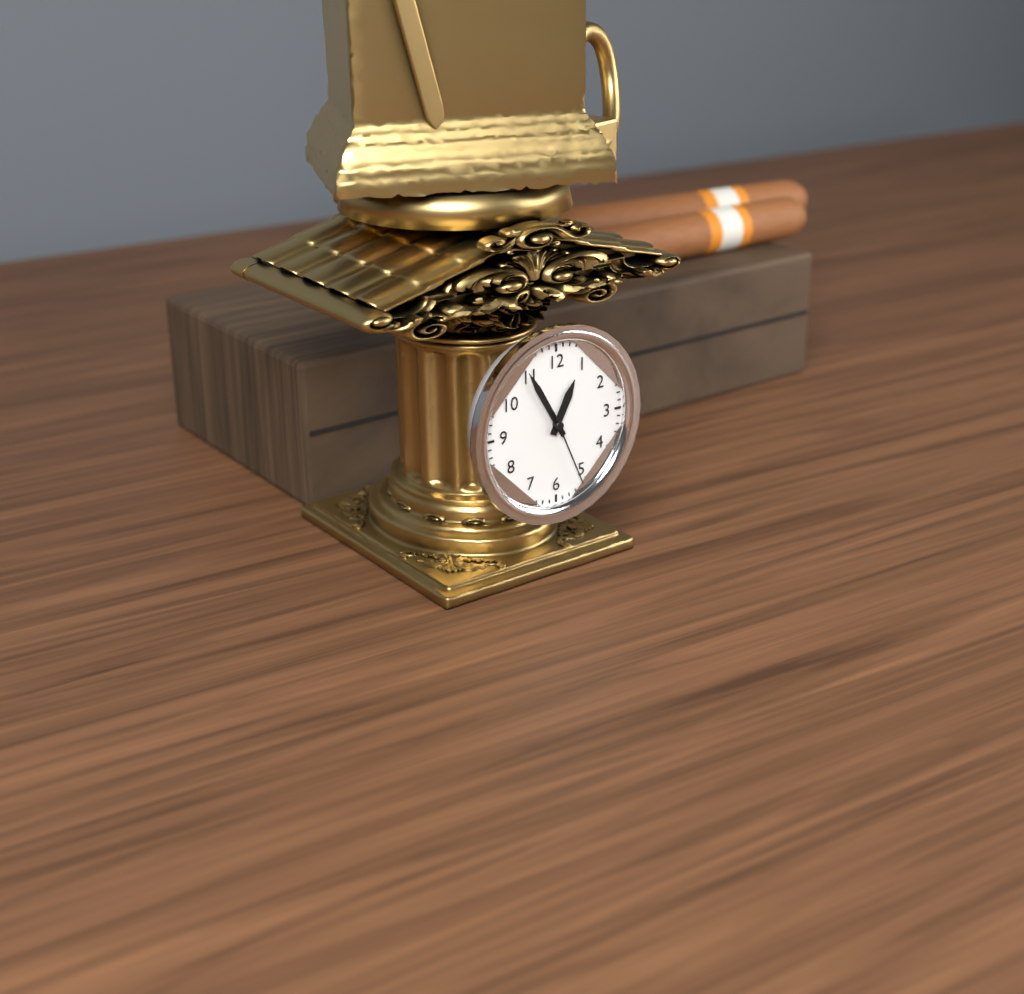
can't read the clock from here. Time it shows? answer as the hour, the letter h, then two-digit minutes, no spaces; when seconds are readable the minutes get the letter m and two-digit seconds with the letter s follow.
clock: 12h55m26s
